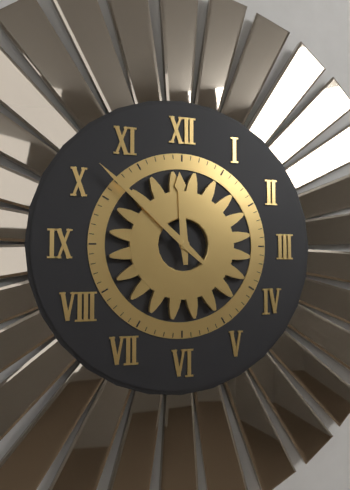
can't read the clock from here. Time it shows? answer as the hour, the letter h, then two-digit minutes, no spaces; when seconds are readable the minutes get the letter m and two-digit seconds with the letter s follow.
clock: 11h52
